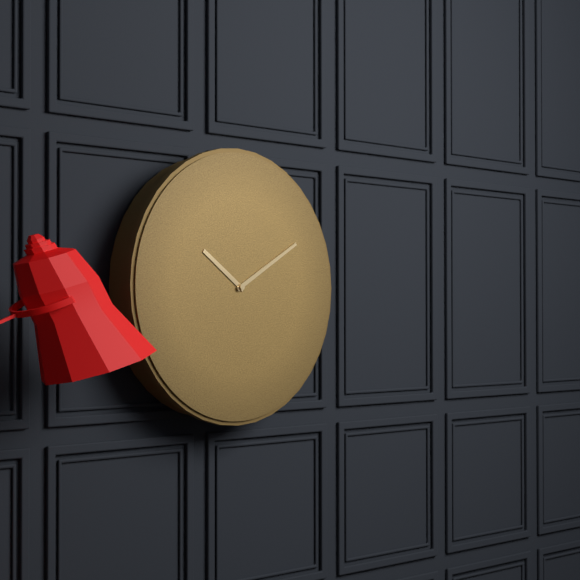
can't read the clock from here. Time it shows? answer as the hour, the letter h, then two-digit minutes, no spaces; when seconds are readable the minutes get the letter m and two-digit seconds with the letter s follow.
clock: 10h10
